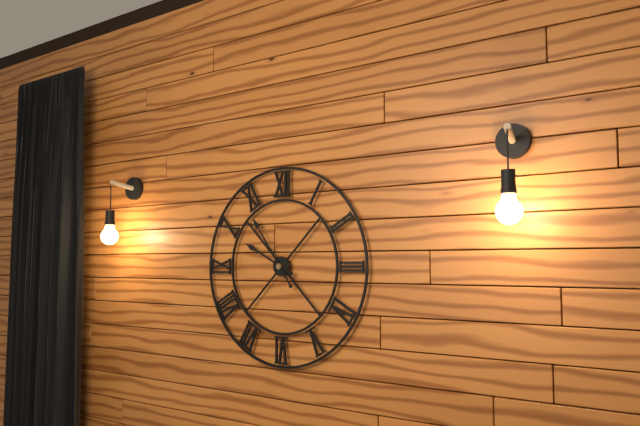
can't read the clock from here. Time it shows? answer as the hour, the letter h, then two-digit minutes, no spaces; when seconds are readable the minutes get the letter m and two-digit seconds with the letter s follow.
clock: 9h54
